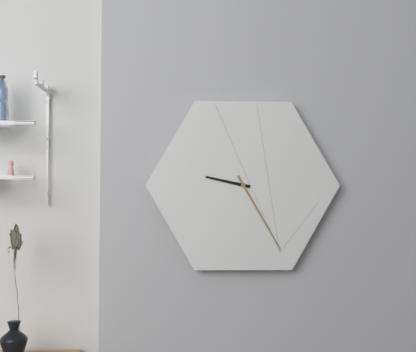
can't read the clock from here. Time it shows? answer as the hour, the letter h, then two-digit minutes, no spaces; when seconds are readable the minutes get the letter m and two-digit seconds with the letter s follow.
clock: 9h25
